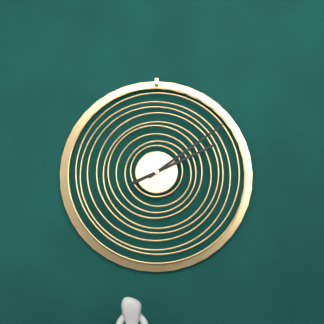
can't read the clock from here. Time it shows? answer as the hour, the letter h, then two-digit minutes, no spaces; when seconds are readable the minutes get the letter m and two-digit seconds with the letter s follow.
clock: 2h09
